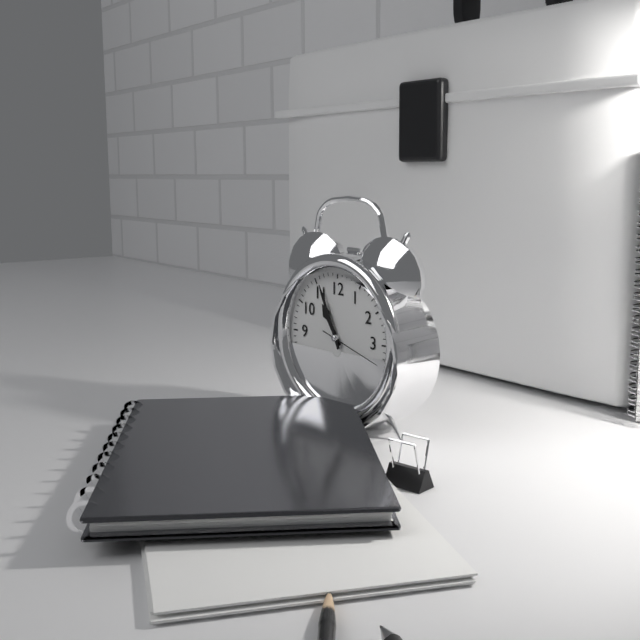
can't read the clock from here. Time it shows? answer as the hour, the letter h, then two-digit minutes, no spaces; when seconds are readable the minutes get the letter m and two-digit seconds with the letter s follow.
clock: 10h56
